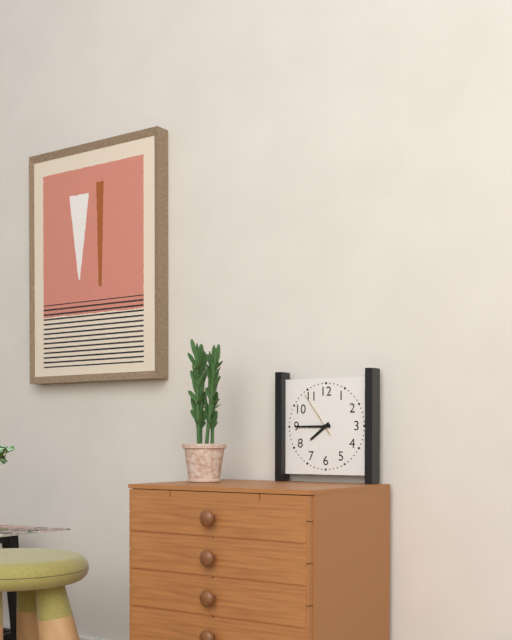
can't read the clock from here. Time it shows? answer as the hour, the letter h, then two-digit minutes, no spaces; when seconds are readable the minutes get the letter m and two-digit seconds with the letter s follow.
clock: 7h45
